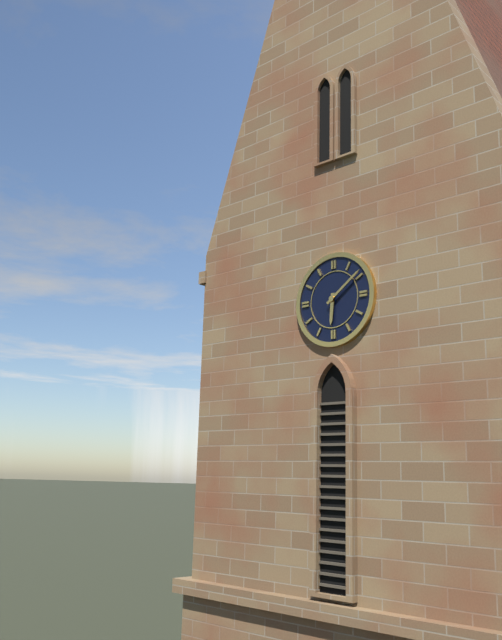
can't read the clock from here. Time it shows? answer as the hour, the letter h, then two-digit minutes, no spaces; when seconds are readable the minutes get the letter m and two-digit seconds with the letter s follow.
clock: 6h09
